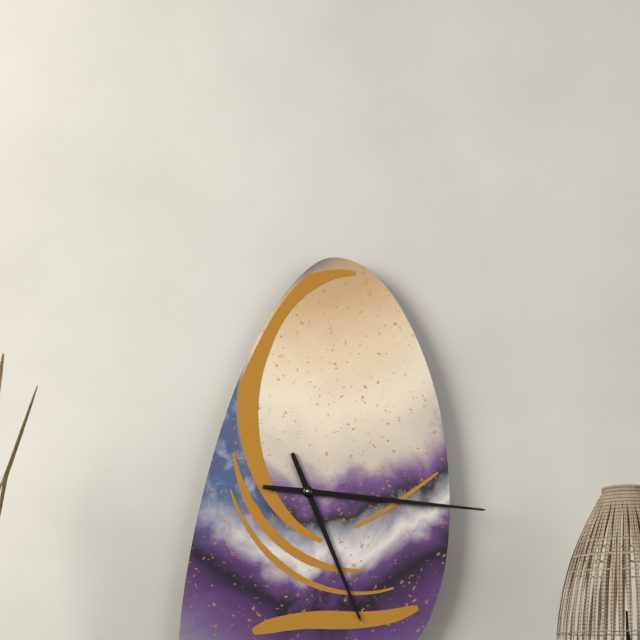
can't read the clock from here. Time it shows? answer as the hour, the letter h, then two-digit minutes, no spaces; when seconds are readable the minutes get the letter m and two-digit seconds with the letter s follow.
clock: 5h16
